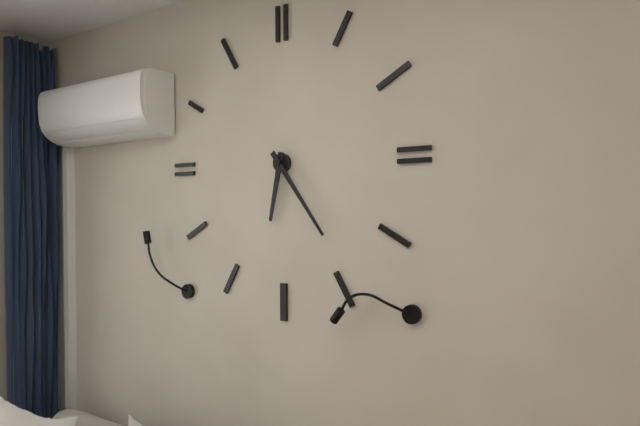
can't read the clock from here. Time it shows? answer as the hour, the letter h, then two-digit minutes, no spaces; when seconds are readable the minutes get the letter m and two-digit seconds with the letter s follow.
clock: 6h24
